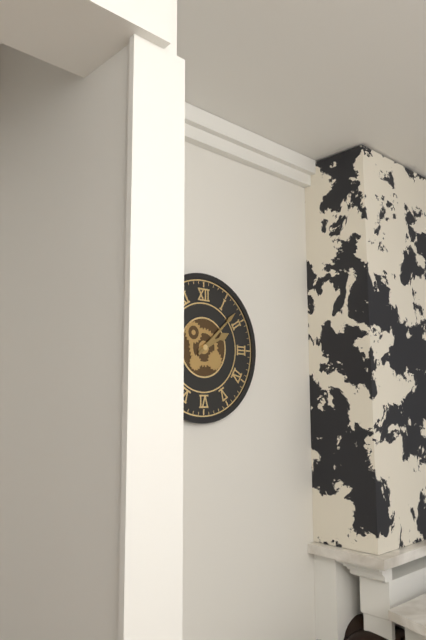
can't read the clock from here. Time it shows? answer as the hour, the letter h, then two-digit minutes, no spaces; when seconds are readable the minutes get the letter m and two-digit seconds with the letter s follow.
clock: 2h08
